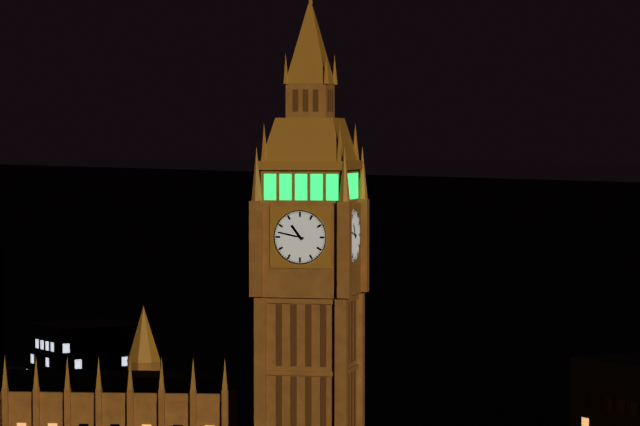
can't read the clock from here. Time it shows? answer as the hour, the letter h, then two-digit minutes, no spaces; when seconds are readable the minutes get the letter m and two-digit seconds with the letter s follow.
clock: 10h47
